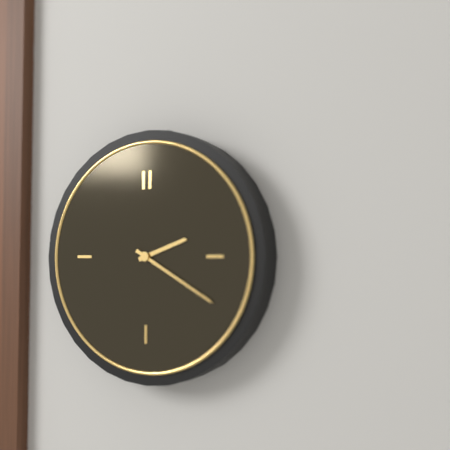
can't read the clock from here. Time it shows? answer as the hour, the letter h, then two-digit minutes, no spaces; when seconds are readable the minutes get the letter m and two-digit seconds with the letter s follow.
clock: 2h20
